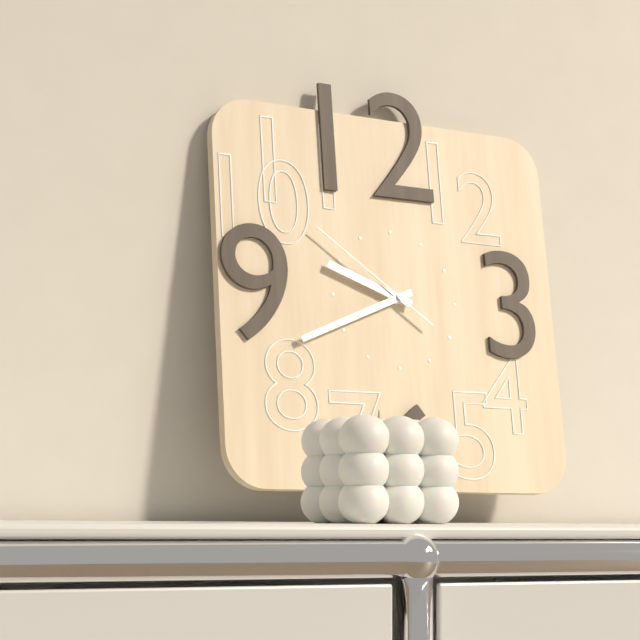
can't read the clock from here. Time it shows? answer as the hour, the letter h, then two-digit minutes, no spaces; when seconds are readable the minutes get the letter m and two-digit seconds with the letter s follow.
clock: 9h41m51s
